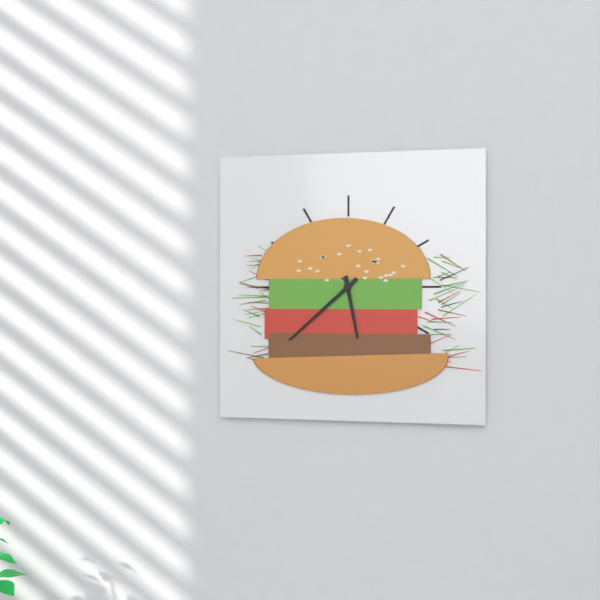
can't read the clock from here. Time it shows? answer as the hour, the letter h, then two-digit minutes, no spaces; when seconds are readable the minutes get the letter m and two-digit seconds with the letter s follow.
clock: 5h38
